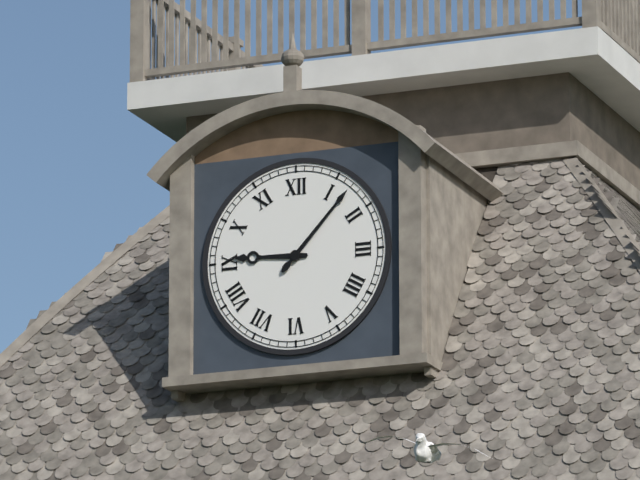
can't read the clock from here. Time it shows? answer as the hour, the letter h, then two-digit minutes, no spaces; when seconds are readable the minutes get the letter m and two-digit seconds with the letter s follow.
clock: 9h07
